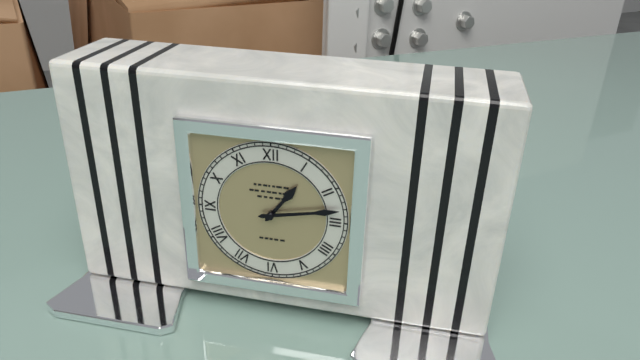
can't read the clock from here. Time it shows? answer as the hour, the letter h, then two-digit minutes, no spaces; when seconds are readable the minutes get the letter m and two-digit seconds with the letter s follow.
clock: 1h13
